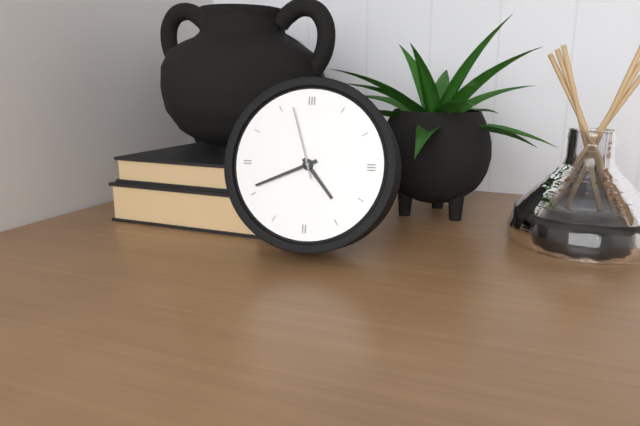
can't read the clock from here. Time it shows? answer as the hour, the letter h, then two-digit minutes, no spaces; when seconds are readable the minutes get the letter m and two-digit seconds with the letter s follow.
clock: 4h41m57s
